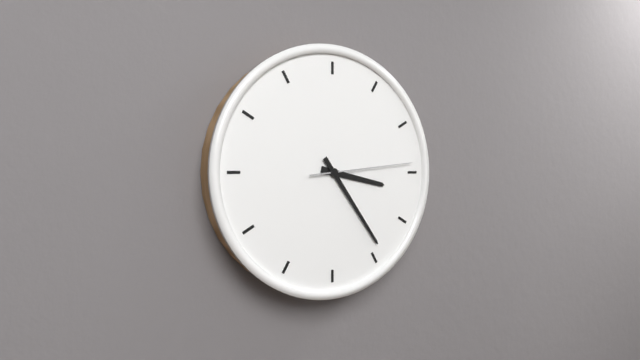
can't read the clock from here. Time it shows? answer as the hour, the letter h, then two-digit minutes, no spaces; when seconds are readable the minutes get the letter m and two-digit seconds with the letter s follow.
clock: 3h24m14s
